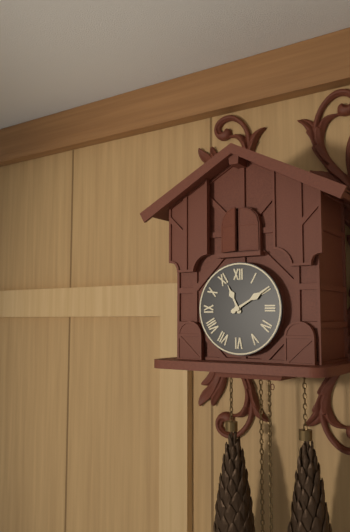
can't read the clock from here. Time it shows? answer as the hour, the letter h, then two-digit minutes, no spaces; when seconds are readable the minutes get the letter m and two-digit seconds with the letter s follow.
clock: 11h10
